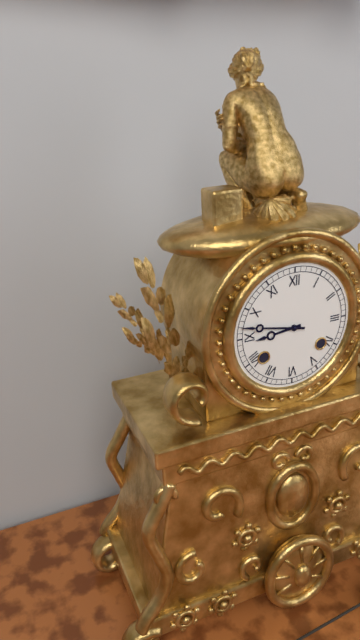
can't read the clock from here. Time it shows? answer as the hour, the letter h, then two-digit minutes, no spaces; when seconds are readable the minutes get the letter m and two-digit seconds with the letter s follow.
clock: 8h47
